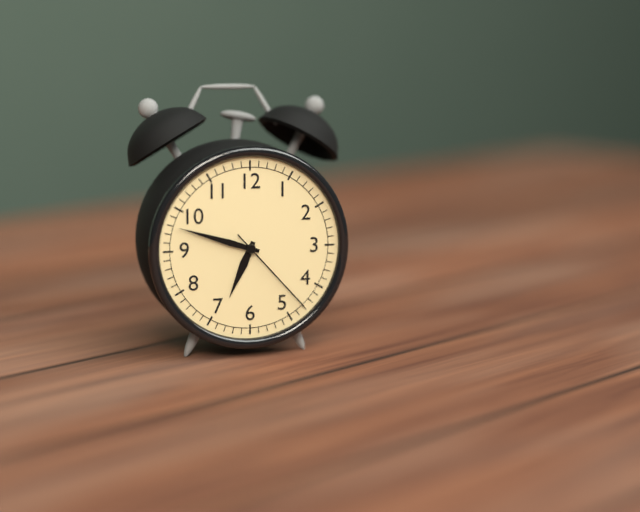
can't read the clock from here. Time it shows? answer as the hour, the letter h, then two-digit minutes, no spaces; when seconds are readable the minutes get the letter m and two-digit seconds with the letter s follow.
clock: 6h48m23s
